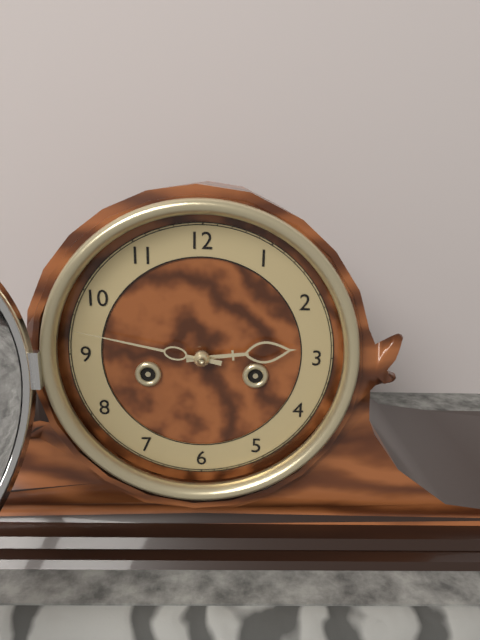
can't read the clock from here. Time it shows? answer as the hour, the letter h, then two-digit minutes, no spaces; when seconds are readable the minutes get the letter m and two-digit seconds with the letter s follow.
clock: 2h47
